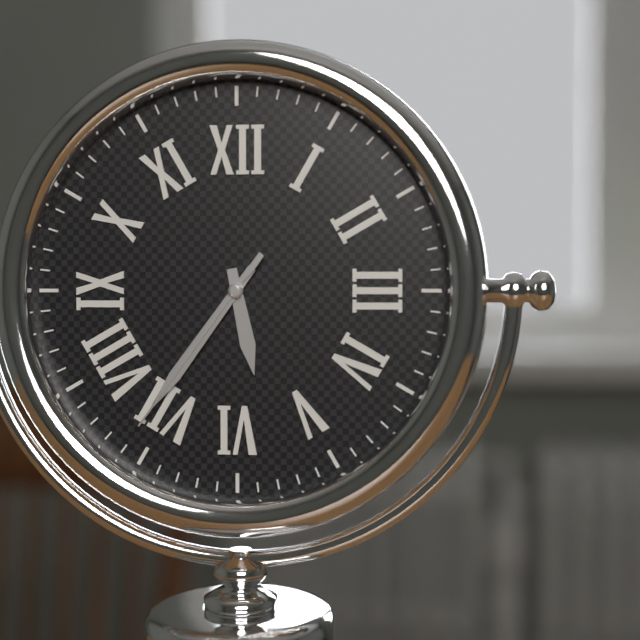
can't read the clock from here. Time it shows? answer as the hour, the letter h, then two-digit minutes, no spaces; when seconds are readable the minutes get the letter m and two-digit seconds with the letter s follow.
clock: 5h36m36s
